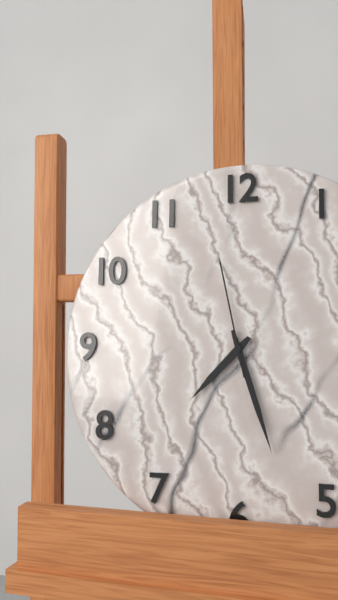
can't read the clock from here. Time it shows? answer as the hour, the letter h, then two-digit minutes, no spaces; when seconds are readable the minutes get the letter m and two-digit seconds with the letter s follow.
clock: 7h27m58s
